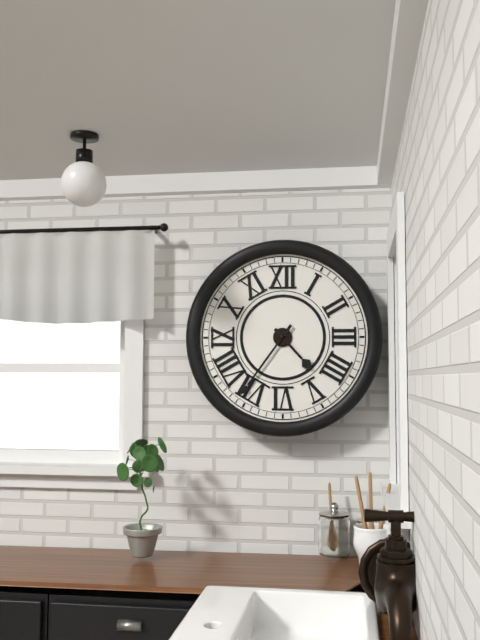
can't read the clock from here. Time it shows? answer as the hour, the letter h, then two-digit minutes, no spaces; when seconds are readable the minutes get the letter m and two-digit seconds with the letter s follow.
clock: 4h36
